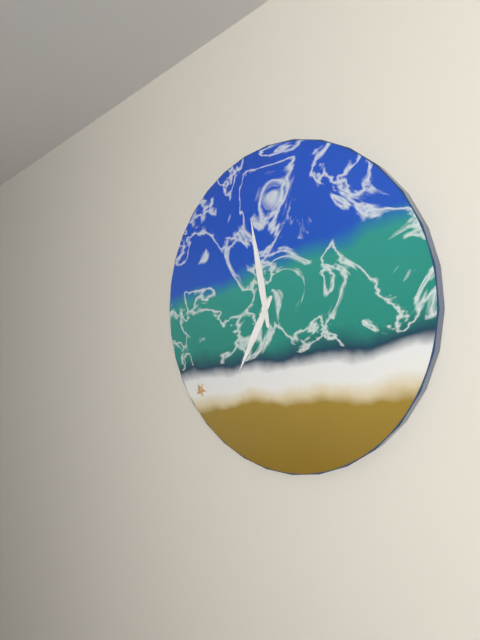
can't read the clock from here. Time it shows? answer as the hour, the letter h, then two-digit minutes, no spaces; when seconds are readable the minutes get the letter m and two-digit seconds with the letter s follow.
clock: 6h58
